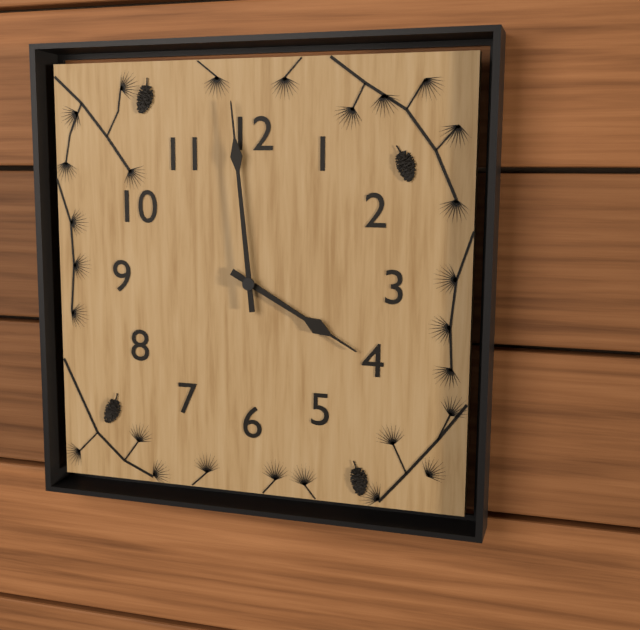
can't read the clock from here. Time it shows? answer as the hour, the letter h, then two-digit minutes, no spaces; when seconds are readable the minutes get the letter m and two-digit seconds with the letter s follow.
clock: 3h59
